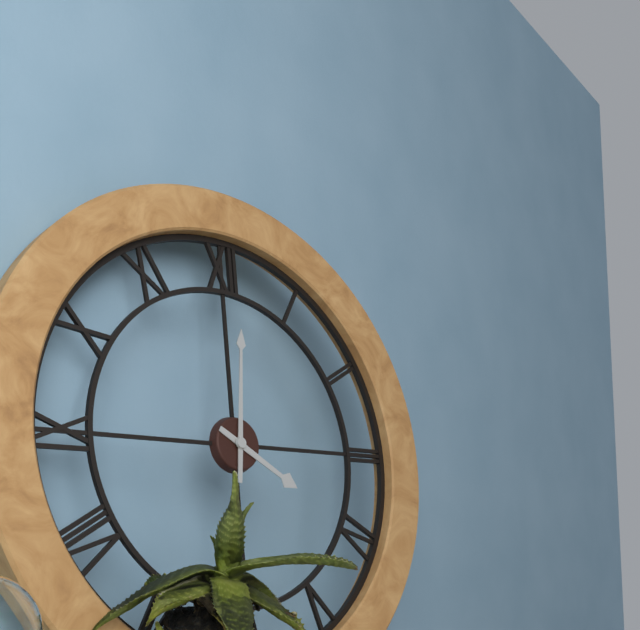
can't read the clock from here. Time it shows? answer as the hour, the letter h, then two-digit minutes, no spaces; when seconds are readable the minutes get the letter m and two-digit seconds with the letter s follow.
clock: 4h01
